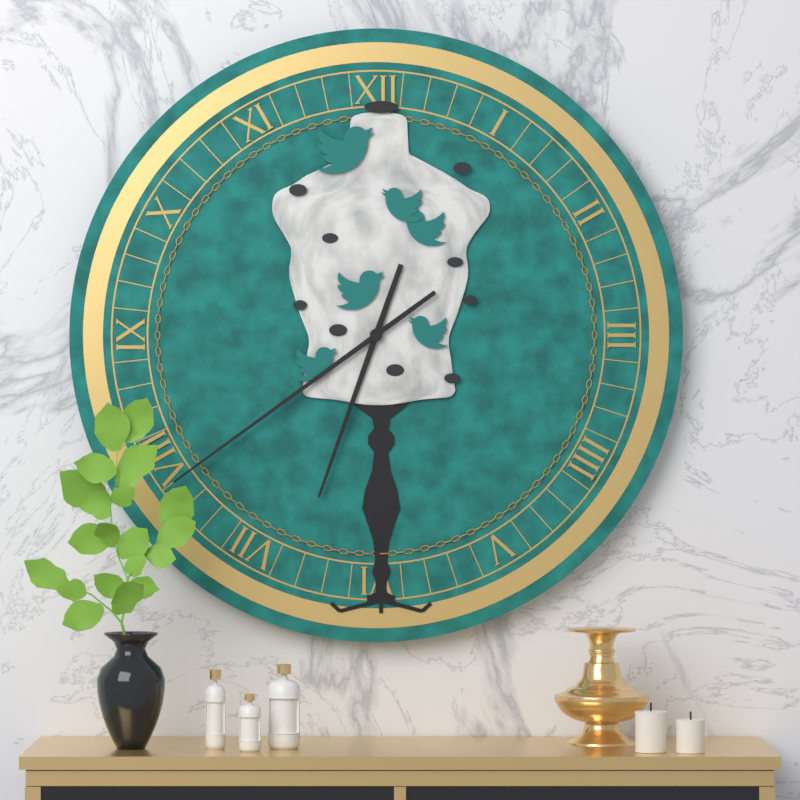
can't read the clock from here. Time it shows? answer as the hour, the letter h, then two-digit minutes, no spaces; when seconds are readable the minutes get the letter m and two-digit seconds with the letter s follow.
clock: 6h39
